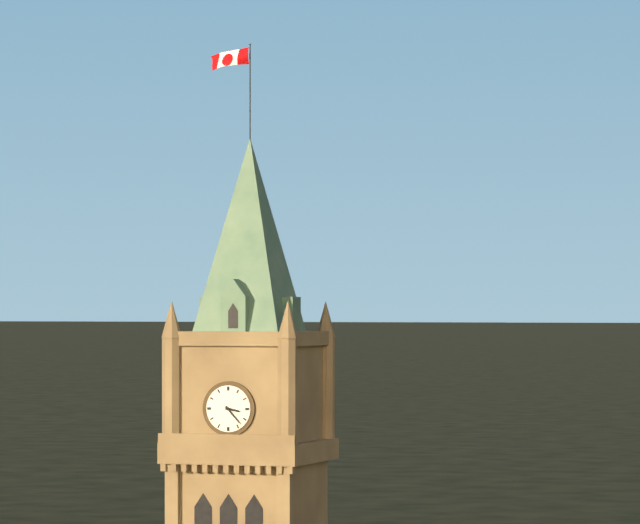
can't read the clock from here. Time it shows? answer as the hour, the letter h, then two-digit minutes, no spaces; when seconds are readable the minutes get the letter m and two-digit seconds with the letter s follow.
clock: 3h23
